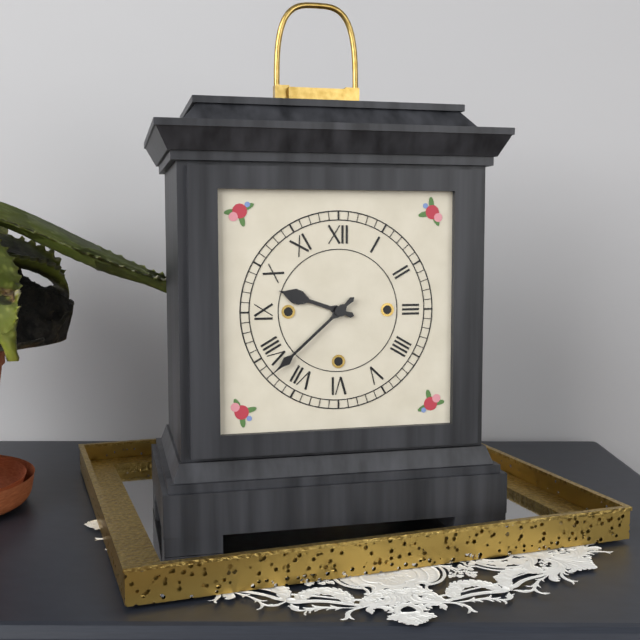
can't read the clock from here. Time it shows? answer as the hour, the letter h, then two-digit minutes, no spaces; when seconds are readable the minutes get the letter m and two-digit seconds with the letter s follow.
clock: 9h38
